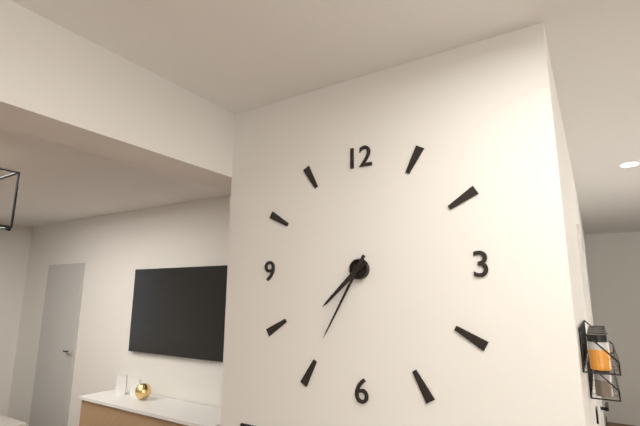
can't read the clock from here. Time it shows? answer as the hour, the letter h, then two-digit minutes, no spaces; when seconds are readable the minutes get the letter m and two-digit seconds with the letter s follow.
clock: 7h35
